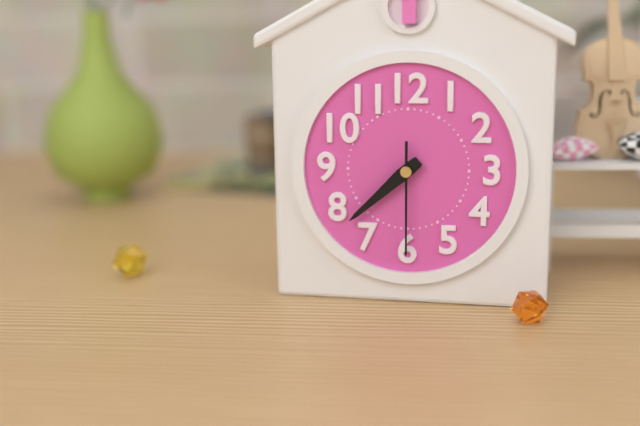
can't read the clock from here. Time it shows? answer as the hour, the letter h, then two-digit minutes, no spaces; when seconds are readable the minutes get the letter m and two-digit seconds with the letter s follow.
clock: 7h38m30s
